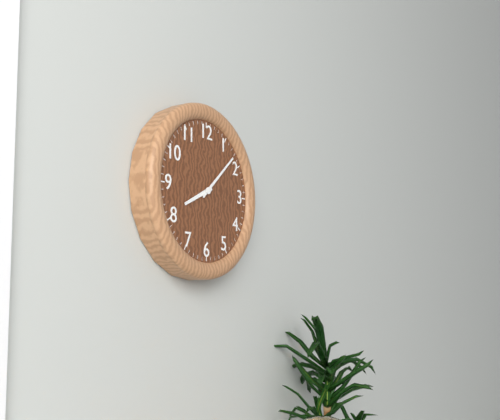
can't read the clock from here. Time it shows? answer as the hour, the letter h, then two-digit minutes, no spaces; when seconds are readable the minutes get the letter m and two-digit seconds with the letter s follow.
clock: 8h08
